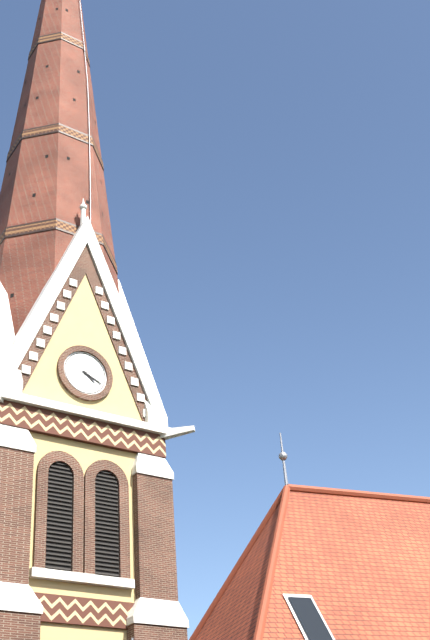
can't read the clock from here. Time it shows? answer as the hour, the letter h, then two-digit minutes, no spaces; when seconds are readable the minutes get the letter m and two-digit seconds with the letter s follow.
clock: 4h19
